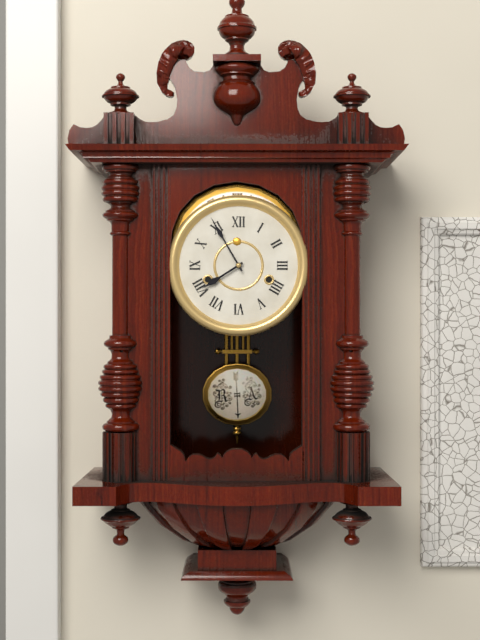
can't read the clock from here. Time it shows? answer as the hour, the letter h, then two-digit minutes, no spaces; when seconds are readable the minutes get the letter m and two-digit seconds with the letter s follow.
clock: 7h55
